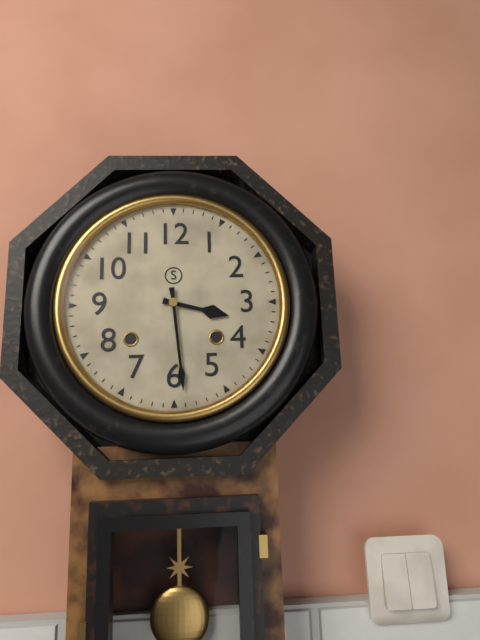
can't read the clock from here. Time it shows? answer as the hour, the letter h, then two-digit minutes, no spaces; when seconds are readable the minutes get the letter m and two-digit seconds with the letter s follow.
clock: 3h29
